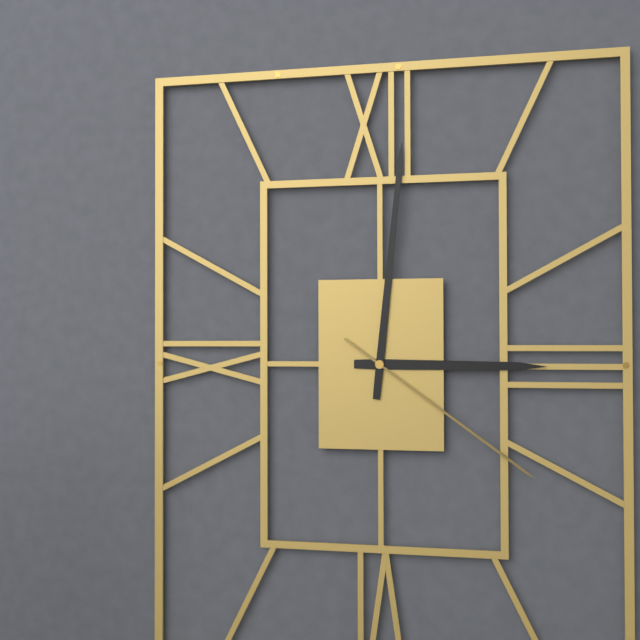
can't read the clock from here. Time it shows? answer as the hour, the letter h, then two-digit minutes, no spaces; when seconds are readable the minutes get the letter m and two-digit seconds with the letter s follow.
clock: 3h01m21s
